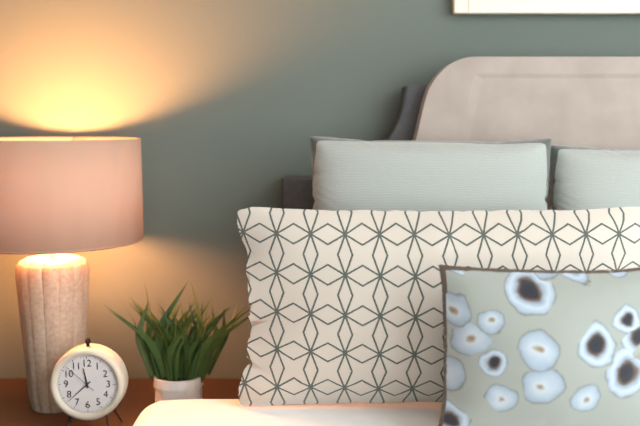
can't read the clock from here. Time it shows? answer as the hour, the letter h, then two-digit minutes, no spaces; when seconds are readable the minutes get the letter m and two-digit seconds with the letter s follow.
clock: 11h38
